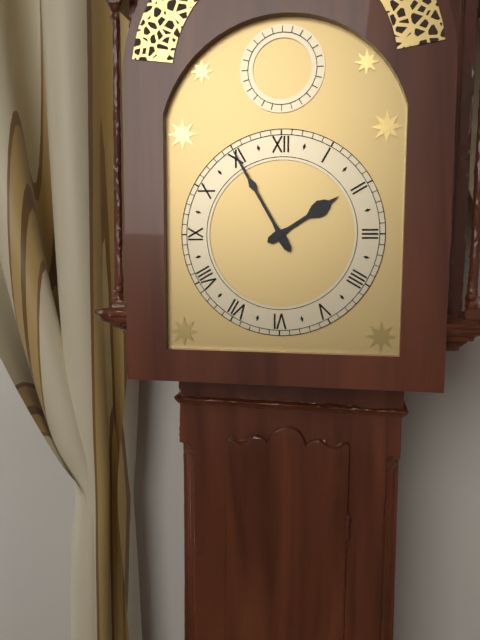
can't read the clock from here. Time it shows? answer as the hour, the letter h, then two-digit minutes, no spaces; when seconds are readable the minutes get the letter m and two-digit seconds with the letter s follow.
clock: 1h55
